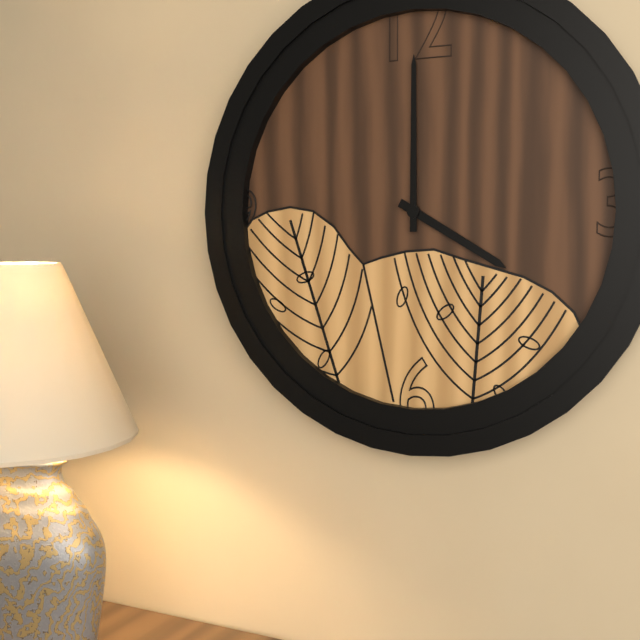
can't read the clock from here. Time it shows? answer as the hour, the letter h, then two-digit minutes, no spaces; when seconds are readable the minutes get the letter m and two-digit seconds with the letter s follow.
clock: 4h00
